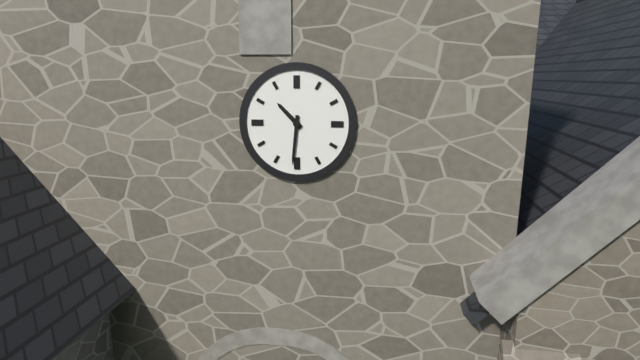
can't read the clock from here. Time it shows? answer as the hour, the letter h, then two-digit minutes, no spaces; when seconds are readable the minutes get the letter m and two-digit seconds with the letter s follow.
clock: 10h31
